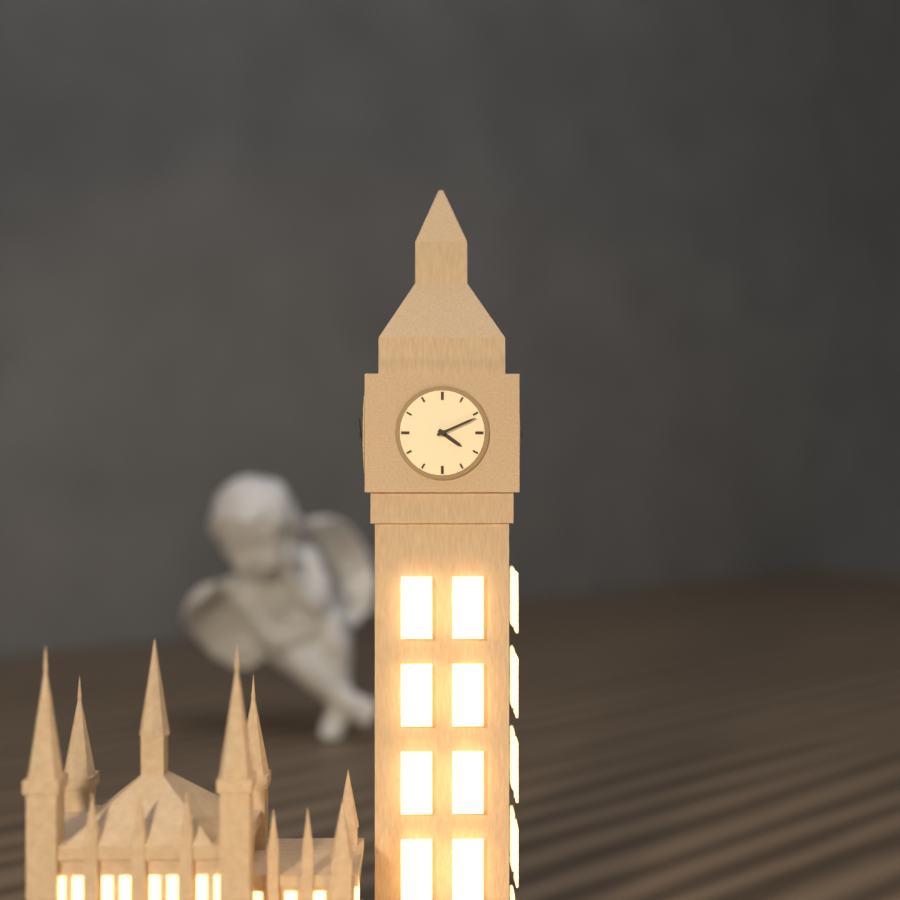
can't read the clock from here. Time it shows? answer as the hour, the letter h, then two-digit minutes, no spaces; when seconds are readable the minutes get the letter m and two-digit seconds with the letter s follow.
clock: 4h11
